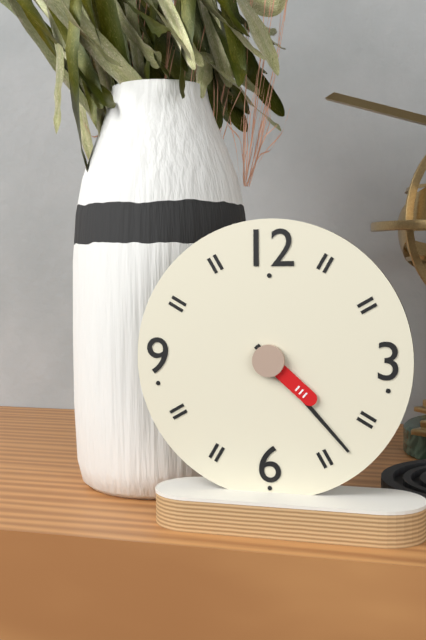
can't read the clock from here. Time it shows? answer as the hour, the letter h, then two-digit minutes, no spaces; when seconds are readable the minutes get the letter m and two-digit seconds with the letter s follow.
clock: 4h23
